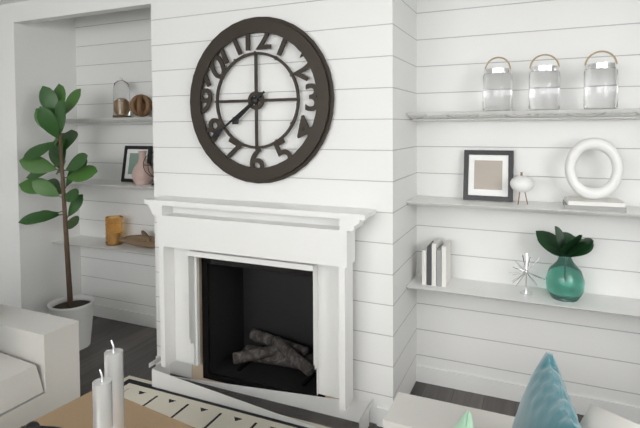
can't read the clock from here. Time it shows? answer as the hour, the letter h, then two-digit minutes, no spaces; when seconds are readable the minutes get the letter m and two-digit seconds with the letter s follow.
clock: 7h39
